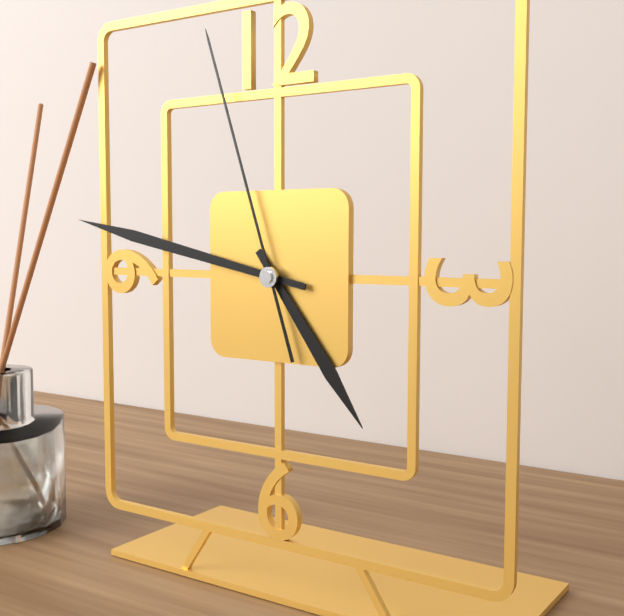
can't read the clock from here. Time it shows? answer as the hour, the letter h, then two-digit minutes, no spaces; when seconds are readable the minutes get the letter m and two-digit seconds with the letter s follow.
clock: 4h47m57s
